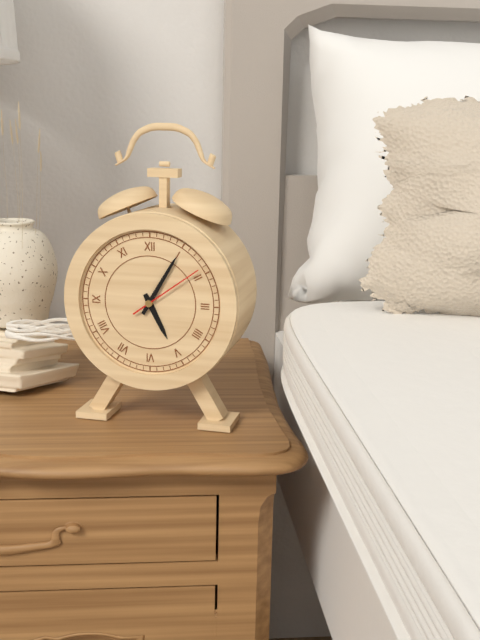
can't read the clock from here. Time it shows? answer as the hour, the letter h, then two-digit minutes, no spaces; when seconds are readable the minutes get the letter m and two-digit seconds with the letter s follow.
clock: 5h05m09s
